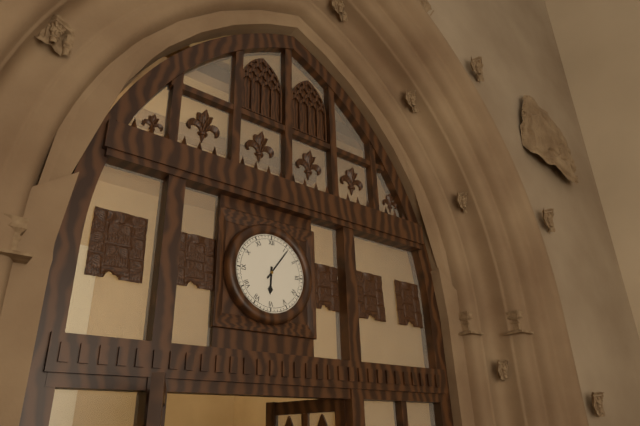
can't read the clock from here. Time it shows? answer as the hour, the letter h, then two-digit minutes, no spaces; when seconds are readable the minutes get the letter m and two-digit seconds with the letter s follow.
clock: 6h06
